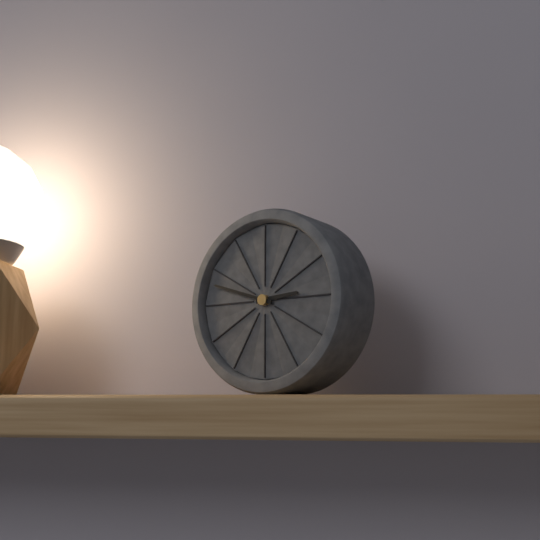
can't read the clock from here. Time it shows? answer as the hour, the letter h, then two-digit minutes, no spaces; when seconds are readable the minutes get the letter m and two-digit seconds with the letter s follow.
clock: 2h48
